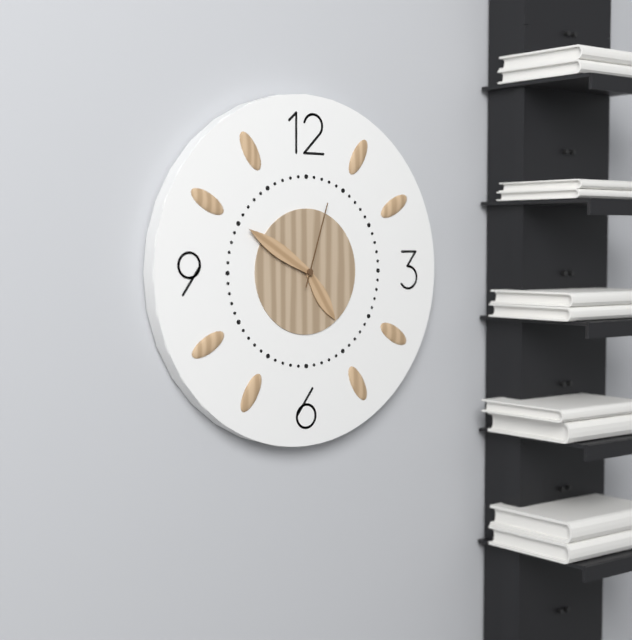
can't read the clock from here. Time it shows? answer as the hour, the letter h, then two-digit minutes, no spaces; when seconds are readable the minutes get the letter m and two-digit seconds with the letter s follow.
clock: 4h50m03s
